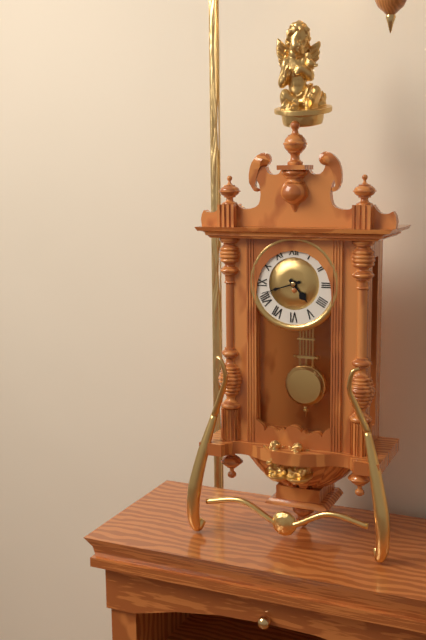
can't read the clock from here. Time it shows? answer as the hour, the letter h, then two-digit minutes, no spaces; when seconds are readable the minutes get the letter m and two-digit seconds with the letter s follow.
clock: 4h42
